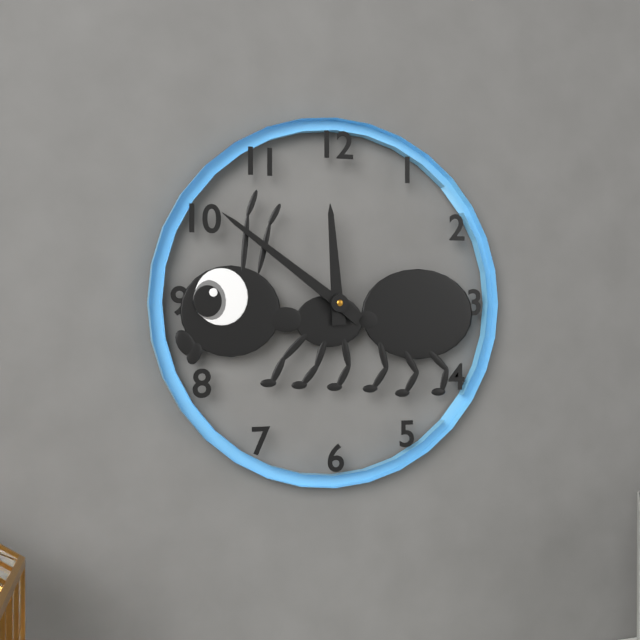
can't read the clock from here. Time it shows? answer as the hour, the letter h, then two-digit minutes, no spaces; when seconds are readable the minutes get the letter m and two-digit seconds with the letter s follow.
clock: 11h51
